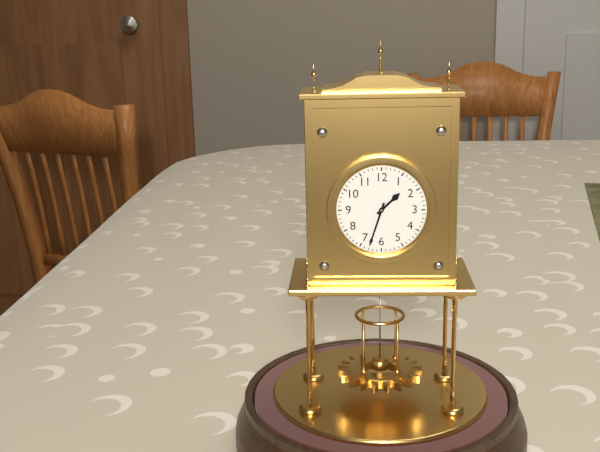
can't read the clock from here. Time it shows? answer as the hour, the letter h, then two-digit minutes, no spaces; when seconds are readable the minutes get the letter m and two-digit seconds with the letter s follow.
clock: 1h33
